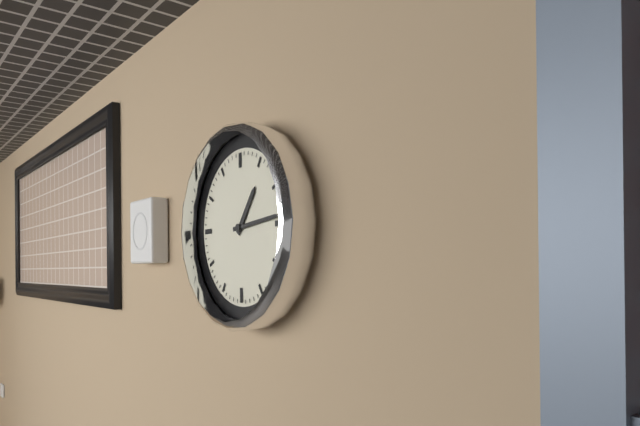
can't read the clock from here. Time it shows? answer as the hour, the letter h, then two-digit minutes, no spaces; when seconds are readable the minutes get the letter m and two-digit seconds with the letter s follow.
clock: 1h14
